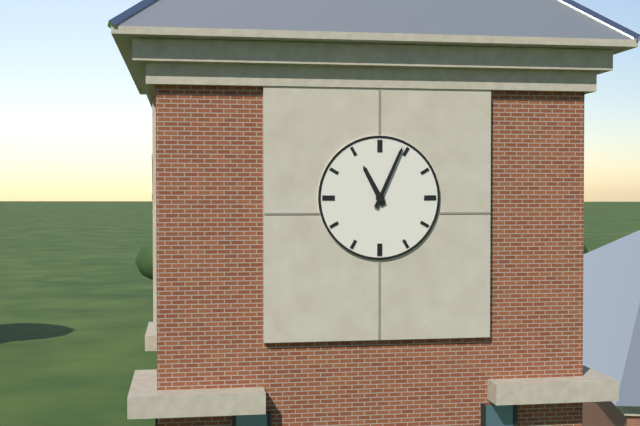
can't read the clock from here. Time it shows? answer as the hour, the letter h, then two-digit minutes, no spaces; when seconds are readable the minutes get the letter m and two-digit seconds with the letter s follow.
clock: 11h04
